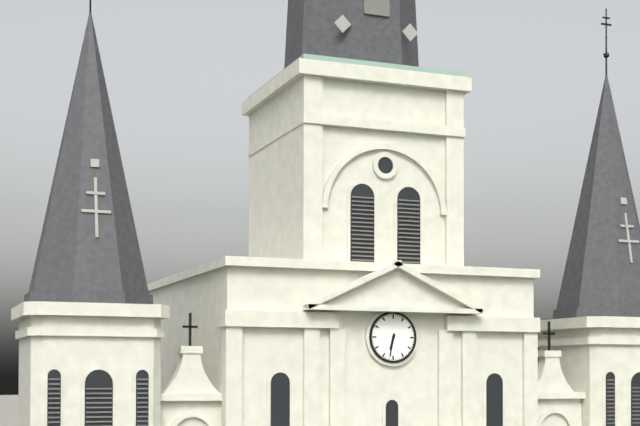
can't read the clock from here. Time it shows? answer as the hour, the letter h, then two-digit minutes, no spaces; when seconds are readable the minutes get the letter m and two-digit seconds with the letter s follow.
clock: 6h32
